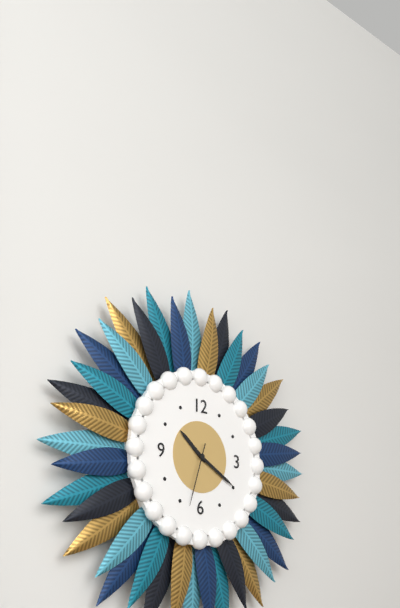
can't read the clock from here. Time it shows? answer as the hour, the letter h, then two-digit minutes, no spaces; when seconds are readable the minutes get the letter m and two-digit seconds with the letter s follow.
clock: 10h20m33s
